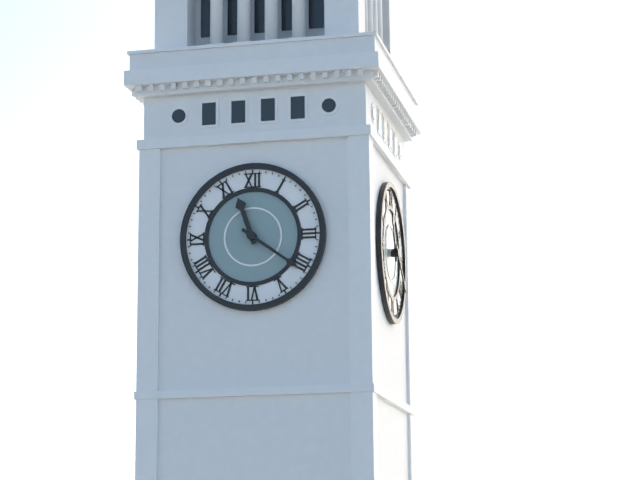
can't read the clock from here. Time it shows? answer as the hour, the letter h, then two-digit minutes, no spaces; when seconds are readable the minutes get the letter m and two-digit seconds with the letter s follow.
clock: 11h21
